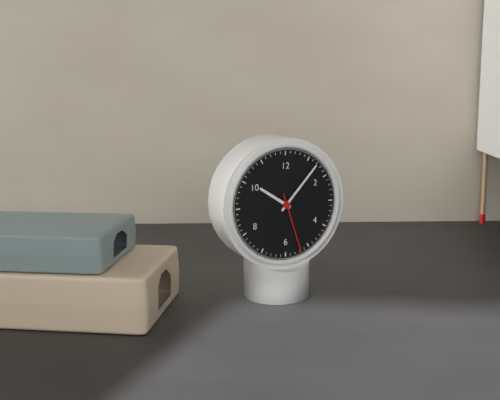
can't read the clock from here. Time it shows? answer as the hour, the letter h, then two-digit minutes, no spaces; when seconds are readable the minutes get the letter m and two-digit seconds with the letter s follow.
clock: 10h07m27s
